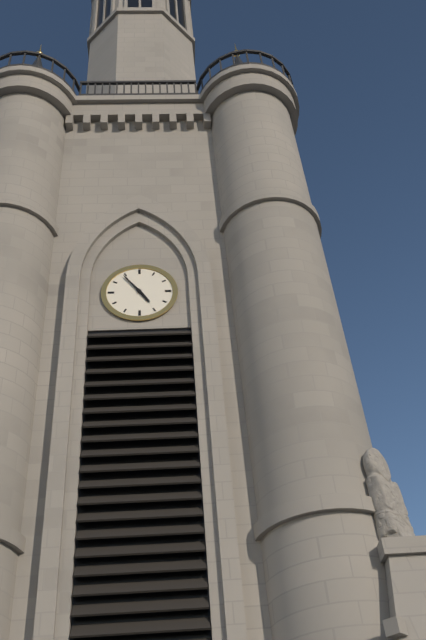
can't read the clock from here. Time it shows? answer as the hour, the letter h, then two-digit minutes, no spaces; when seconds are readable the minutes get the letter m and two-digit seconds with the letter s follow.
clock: 4h54
